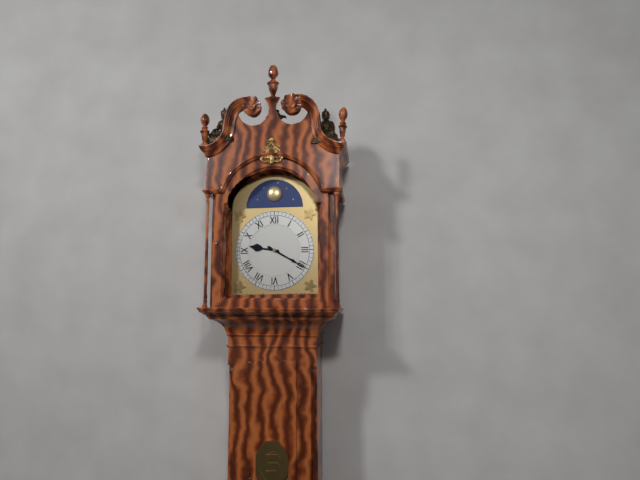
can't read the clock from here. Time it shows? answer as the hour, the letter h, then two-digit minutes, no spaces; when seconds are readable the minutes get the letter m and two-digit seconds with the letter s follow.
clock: 9h20
